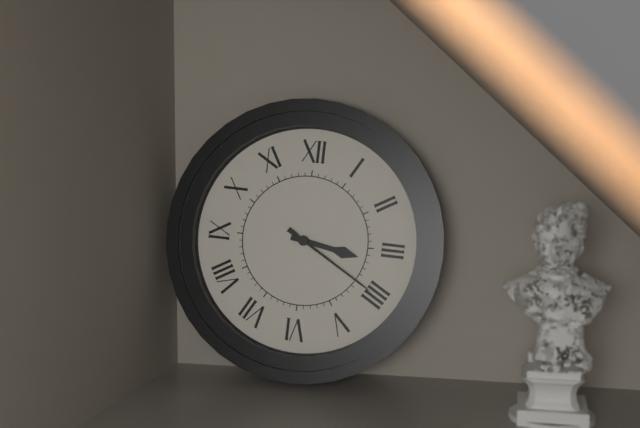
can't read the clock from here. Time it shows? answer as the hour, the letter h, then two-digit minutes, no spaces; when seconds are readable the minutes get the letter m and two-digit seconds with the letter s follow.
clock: 3h20
